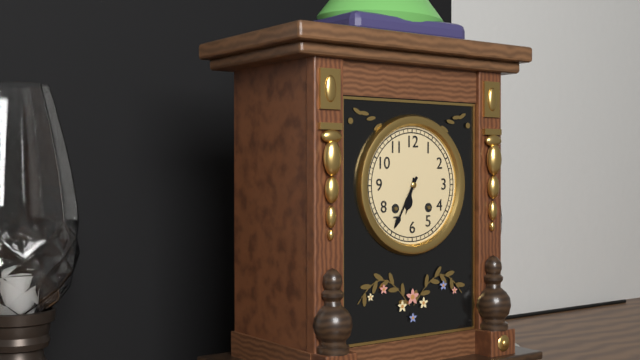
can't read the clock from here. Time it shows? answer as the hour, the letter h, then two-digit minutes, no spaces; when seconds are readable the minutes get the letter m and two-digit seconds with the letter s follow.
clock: 6h35
